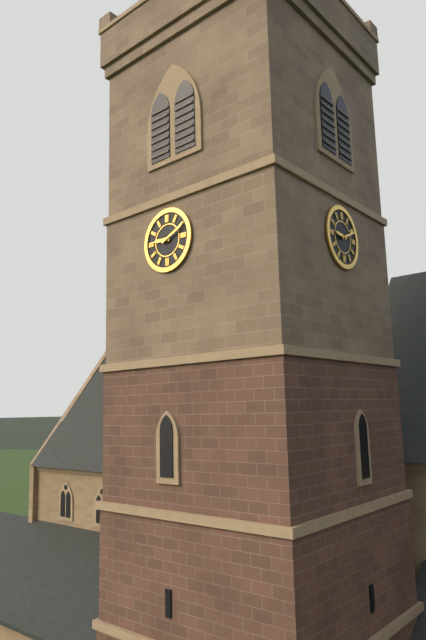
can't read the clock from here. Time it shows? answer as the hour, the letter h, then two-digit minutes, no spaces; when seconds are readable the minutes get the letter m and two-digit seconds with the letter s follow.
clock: 9h11
